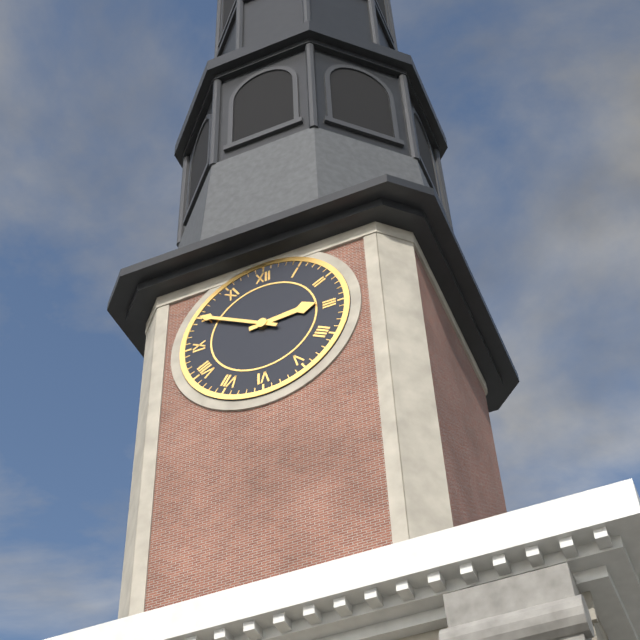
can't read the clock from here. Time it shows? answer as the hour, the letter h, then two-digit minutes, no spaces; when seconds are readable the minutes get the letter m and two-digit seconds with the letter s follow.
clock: 2h50
